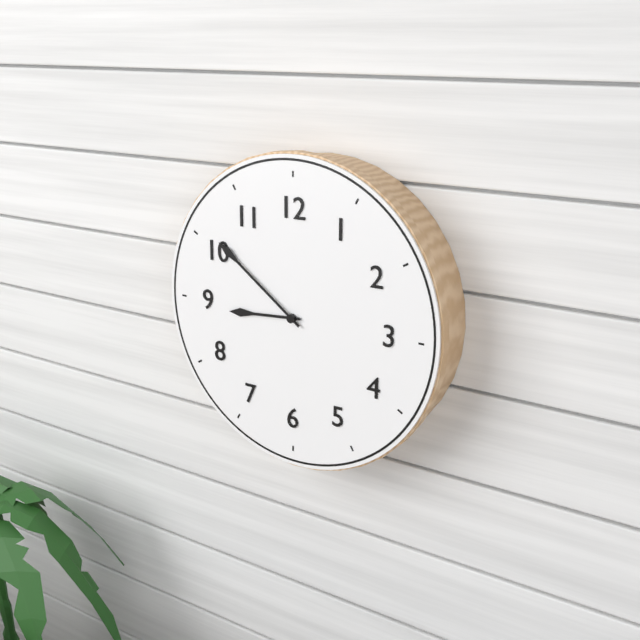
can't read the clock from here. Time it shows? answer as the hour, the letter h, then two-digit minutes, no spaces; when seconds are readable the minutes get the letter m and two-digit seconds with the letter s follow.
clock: 8h51
